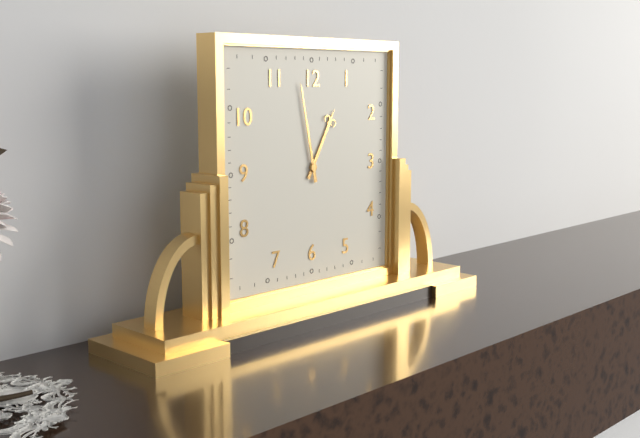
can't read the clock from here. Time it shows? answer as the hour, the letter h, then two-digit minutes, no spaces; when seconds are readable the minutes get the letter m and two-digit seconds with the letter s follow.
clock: 12h58
